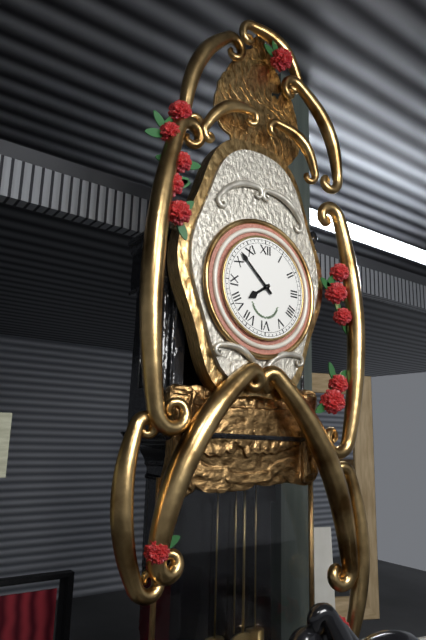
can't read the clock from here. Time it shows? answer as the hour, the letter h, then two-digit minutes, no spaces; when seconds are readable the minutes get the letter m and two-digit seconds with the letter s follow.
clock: 7h52
